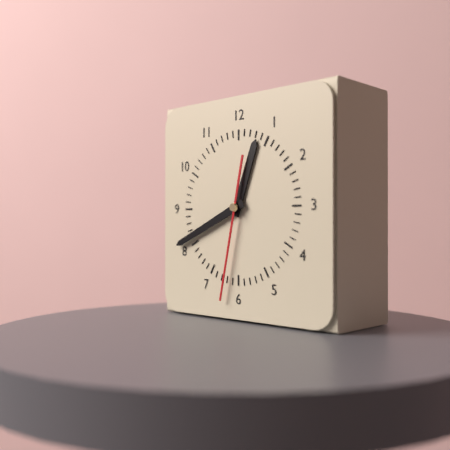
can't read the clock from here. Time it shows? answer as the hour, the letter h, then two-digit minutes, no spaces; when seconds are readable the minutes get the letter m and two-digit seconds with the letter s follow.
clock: 12h41m32s
